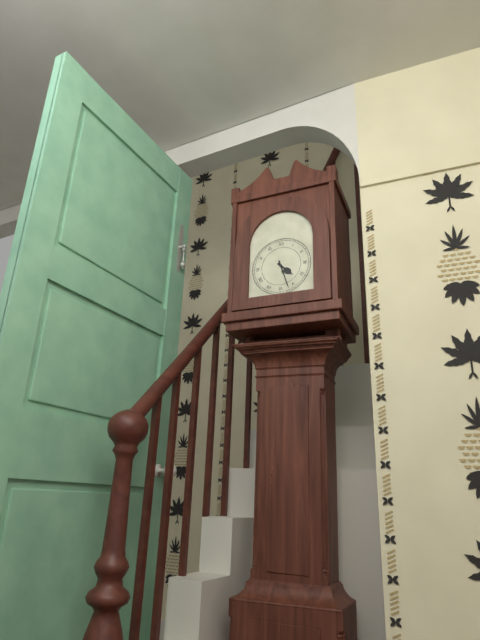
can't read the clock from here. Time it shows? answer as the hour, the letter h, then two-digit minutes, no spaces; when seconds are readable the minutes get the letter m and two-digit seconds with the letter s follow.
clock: 4h27
